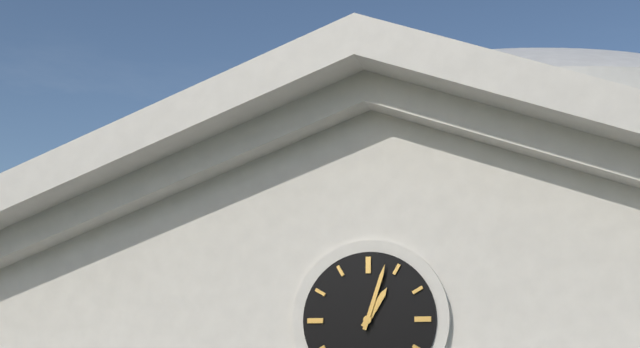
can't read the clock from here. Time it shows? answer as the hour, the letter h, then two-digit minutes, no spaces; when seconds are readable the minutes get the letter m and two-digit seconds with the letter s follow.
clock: 1h03
